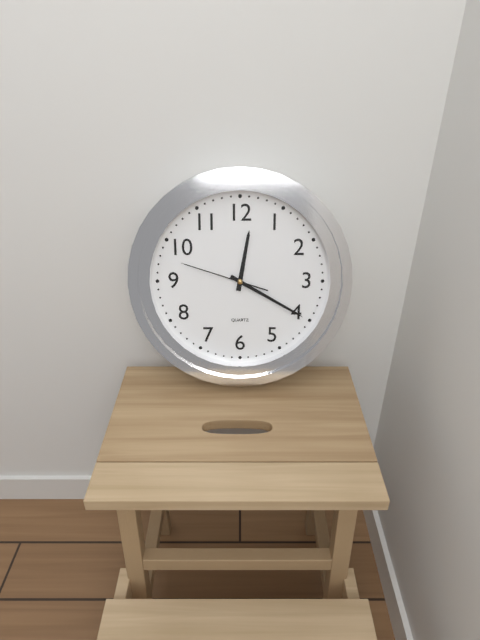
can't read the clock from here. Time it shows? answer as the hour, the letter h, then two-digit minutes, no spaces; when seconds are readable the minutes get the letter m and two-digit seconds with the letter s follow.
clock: 12h20m48s
